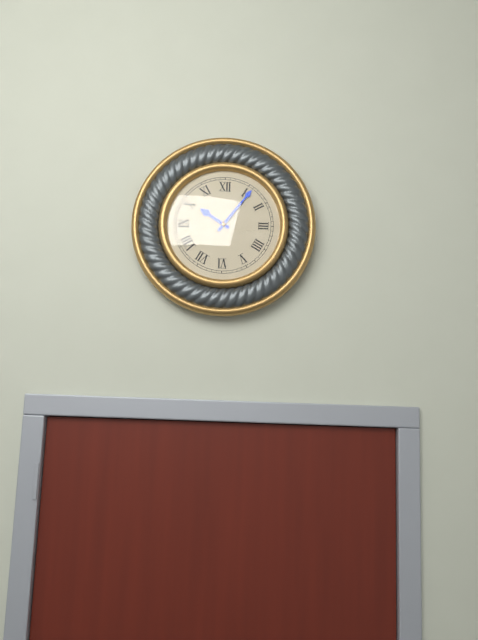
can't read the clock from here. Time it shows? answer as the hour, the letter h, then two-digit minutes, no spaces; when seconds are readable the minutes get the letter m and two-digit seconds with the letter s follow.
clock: 10h06
